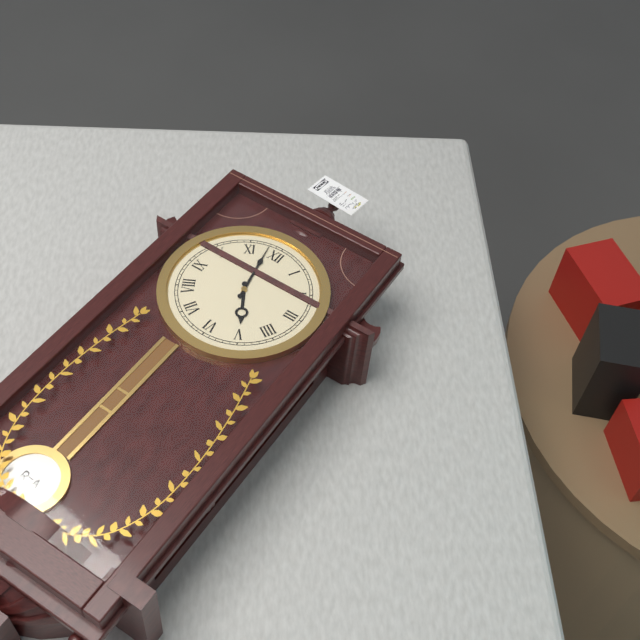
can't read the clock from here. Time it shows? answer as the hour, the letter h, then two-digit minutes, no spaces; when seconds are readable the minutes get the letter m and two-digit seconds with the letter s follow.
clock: 4h58
